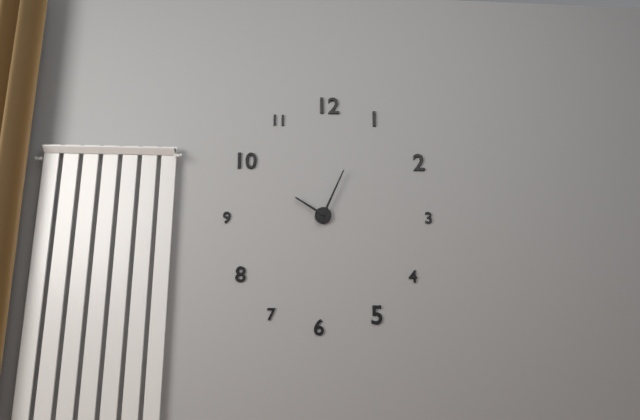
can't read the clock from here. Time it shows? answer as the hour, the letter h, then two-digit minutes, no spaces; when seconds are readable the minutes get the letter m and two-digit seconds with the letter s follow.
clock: 10h04
